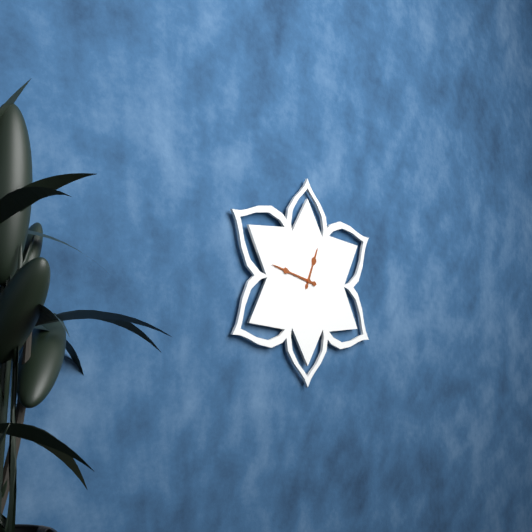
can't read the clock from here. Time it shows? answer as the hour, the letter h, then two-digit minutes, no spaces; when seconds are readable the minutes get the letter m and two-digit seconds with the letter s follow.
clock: 12h47
